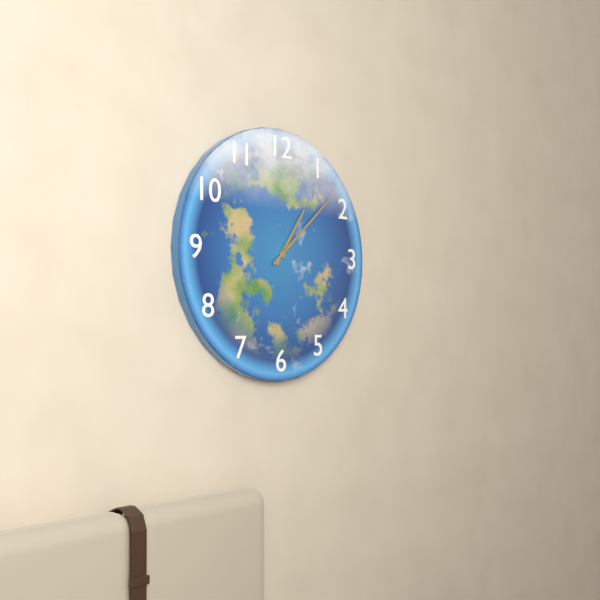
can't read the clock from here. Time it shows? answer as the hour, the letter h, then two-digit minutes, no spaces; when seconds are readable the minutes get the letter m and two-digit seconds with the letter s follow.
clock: 1h08
